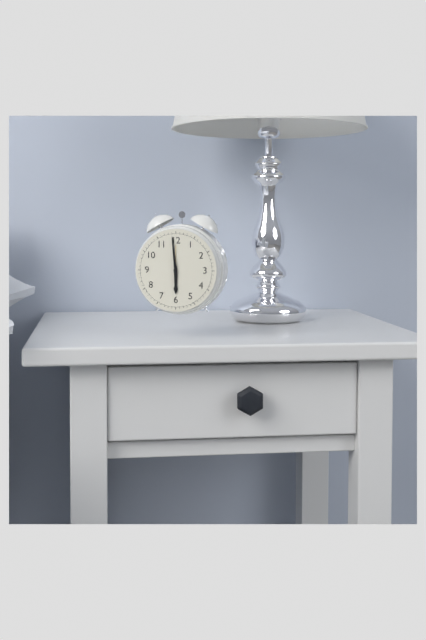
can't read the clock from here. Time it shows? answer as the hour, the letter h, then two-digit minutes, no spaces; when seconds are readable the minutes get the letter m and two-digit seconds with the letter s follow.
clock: 5h59
